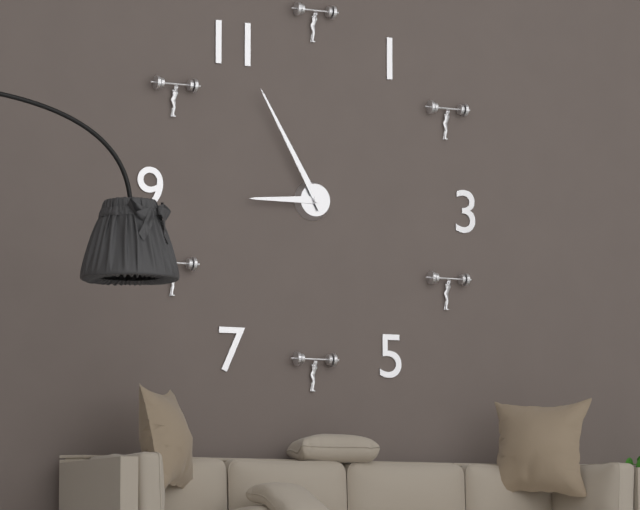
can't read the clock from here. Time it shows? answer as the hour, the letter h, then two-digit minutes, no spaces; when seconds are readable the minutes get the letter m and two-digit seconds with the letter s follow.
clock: 8h55
